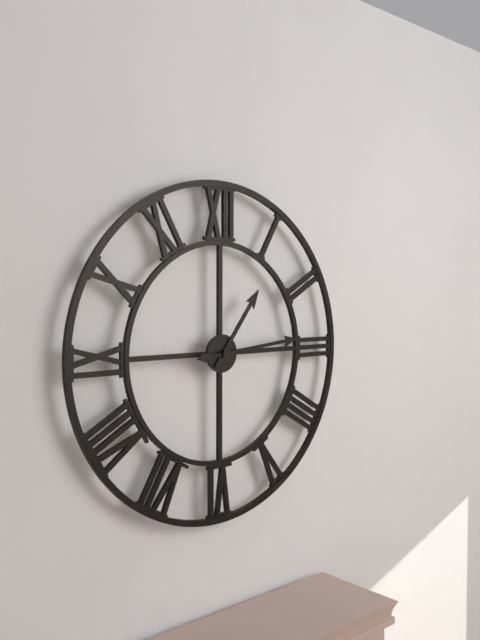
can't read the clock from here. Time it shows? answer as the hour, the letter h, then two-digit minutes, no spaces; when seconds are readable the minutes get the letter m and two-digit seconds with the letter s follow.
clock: 1h14
